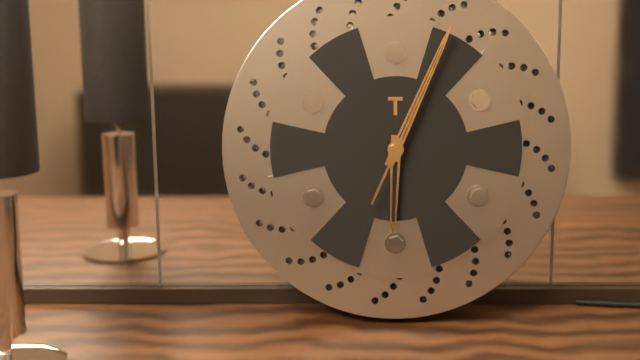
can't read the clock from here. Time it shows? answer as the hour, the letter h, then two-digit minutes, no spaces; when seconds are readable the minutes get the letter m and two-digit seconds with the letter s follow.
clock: 6h04m04s
